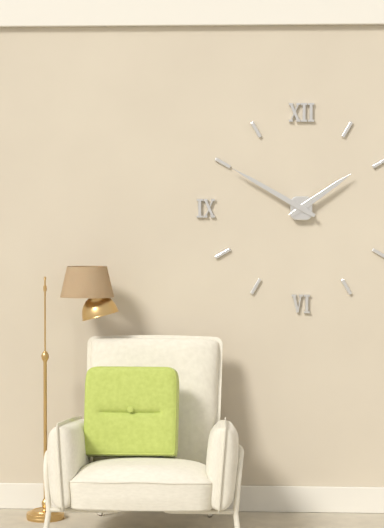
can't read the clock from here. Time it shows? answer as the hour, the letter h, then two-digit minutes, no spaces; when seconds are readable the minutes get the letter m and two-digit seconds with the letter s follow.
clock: 1h50
